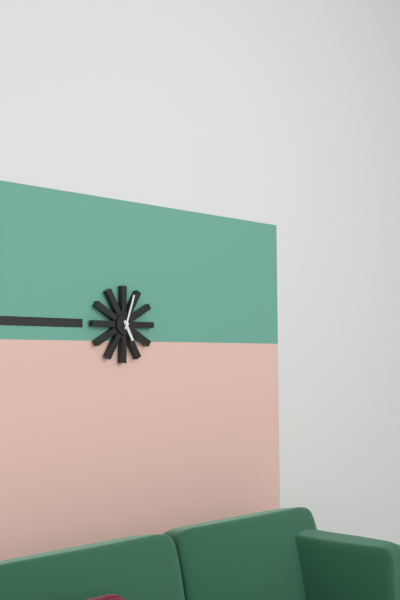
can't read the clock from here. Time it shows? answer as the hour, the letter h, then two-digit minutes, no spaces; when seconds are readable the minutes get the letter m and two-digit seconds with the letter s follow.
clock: 5h03
